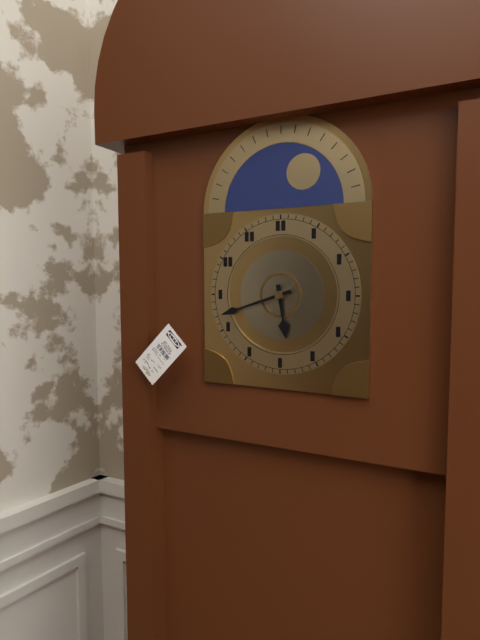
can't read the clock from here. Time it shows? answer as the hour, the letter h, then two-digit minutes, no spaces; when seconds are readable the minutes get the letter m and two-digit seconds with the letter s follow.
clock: 5h42
